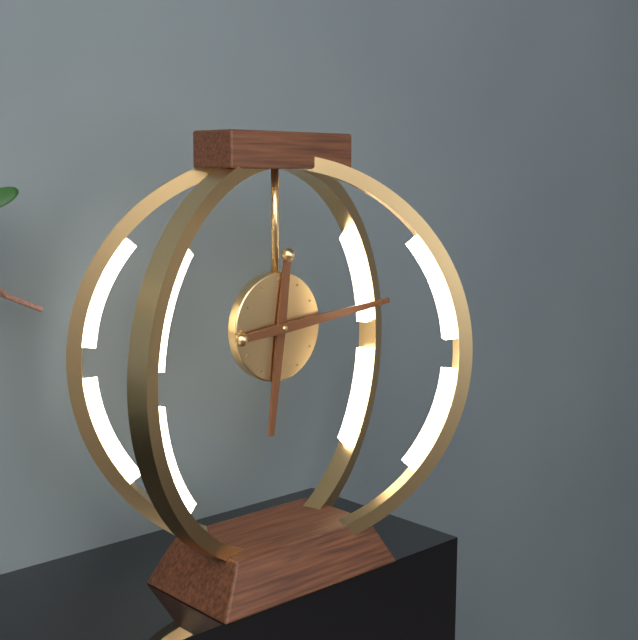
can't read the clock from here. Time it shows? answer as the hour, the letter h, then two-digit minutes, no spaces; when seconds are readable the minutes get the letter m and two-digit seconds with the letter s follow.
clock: 6h14
